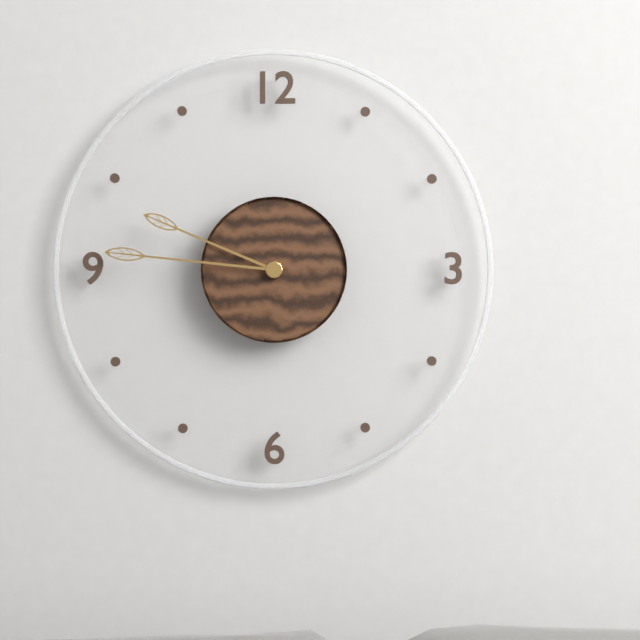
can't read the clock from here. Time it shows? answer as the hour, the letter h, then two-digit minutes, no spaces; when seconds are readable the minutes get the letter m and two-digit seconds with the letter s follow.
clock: 9h46
